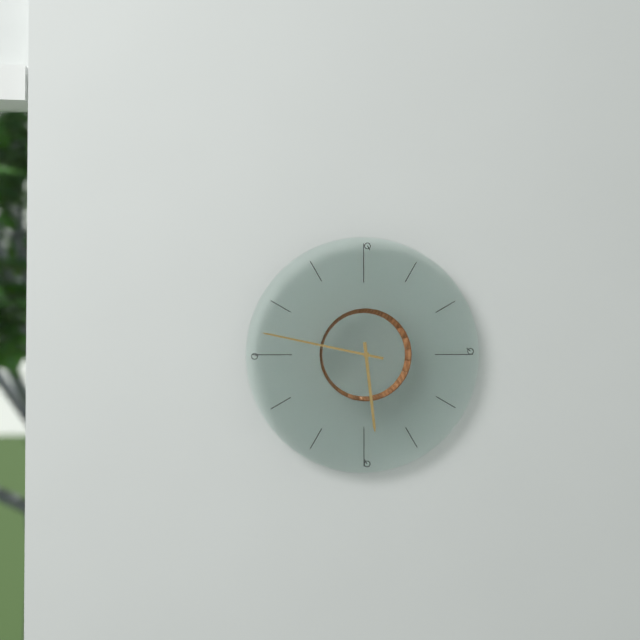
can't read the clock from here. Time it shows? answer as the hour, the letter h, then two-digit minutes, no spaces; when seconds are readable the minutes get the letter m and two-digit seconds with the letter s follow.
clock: 5h47
